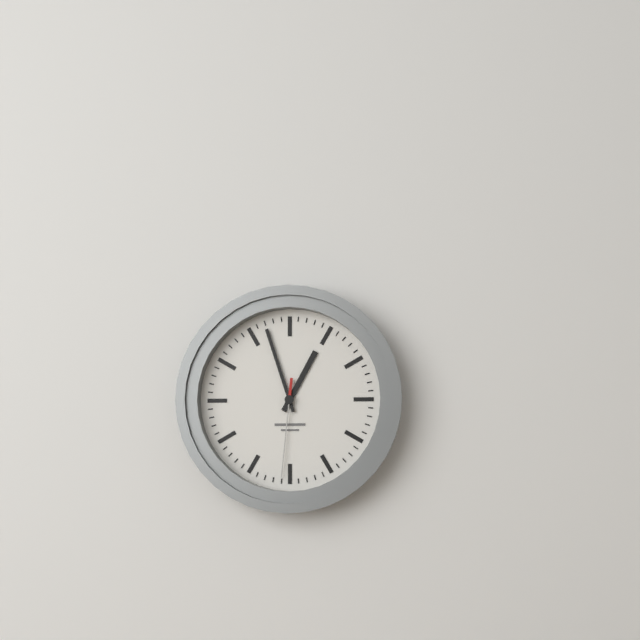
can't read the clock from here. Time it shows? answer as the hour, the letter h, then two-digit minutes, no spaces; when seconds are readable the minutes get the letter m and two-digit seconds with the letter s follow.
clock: 12h57m31s
